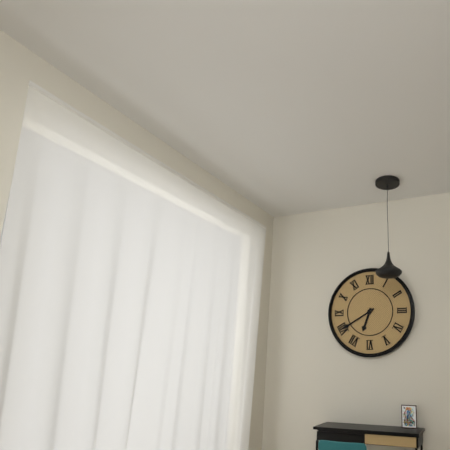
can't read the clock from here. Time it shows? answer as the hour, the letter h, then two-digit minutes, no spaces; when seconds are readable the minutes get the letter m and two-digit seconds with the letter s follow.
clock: 6h40
